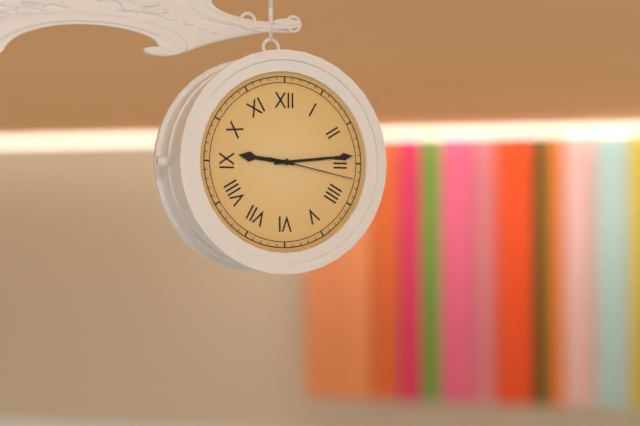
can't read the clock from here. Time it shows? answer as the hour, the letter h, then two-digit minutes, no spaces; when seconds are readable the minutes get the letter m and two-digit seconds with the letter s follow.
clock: 9h14m17s
